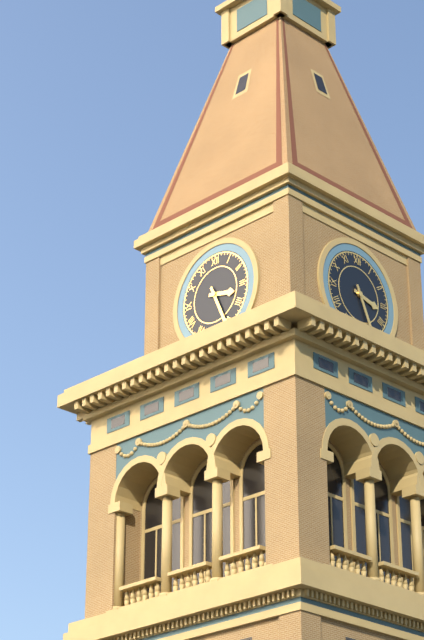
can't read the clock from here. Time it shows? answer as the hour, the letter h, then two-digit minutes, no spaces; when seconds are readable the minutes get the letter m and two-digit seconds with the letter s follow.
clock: 3h26
